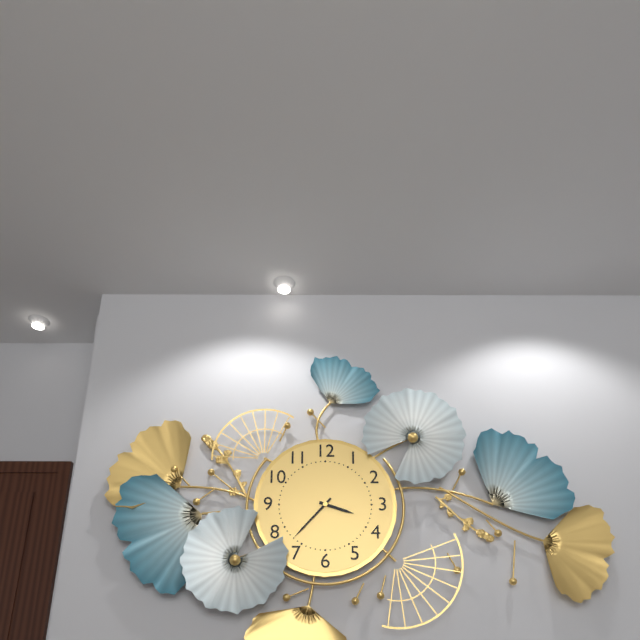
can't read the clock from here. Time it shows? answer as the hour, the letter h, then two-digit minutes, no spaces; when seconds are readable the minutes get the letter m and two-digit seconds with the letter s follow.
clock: 3h37
